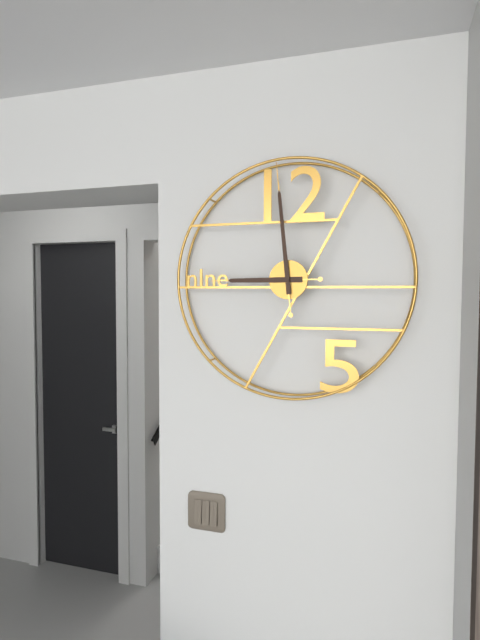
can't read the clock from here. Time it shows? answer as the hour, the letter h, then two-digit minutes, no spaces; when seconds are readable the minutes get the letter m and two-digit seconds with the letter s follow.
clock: 8h59
